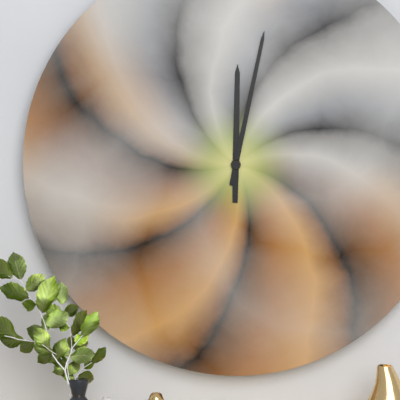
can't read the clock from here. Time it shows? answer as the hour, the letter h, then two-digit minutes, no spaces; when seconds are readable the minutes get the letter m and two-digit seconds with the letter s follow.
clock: 12h02
